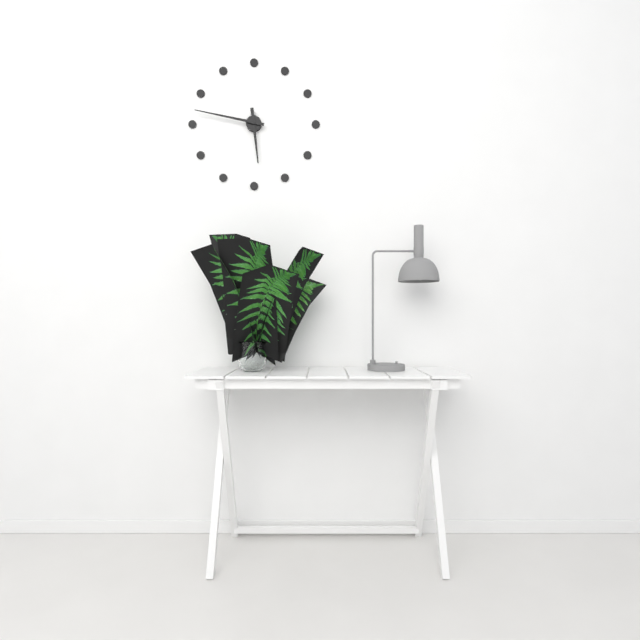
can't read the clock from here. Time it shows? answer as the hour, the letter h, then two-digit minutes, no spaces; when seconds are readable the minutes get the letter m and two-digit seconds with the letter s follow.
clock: 5h47
